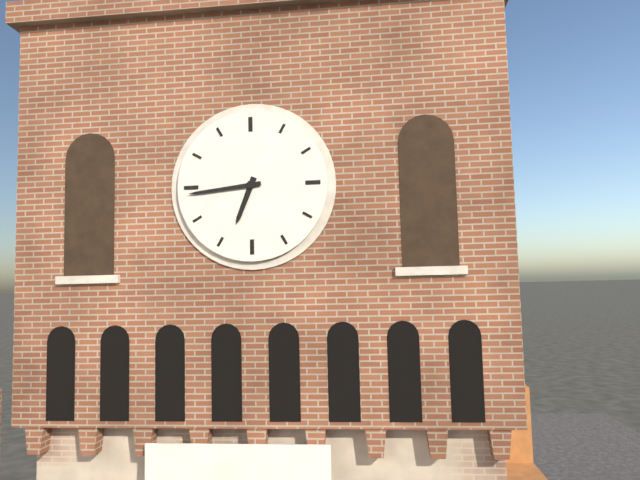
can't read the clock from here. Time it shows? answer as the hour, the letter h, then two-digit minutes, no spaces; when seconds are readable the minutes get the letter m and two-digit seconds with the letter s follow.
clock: 6h44
